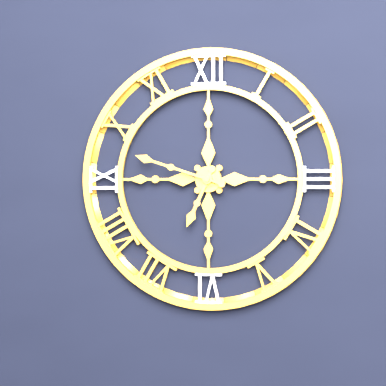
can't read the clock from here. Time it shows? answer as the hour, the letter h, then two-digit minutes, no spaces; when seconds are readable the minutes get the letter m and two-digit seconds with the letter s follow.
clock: 6h48
